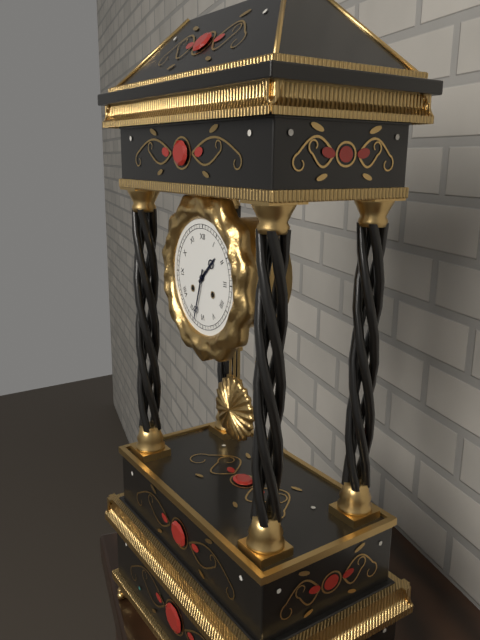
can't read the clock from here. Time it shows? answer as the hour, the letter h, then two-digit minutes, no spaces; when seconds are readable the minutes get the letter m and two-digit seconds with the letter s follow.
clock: 1h33
